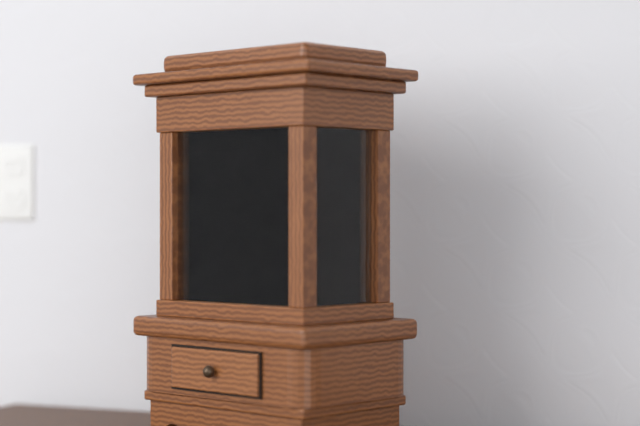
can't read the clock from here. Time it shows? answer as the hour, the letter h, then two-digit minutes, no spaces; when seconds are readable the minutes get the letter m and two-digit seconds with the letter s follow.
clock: 7h55
